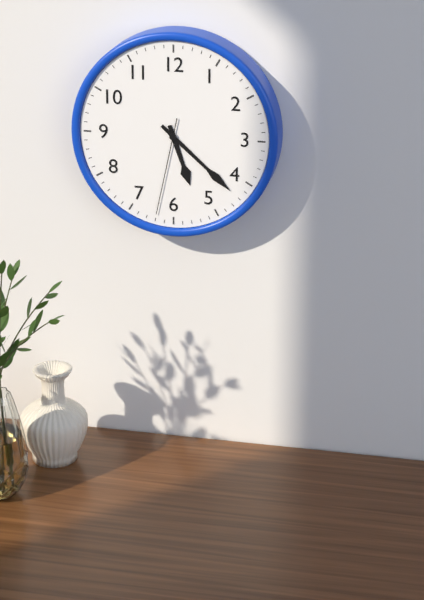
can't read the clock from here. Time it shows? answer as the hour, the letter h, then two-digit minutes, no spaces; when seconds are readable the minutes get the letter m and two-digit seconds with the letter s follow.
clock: 5h22m32s
